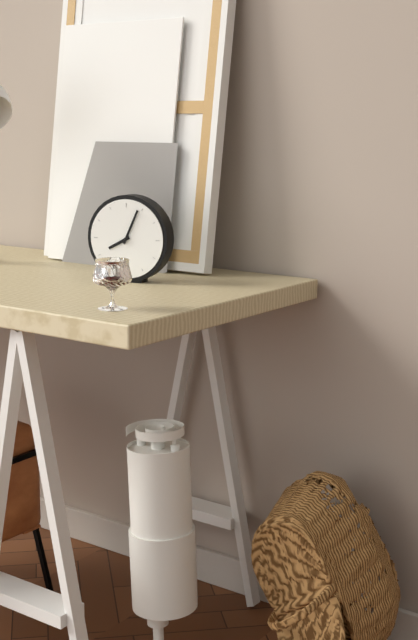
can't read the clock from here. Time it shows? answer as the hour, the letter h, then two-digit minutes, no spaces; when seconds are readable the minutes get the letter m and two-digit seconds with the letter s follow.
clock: 8h04
